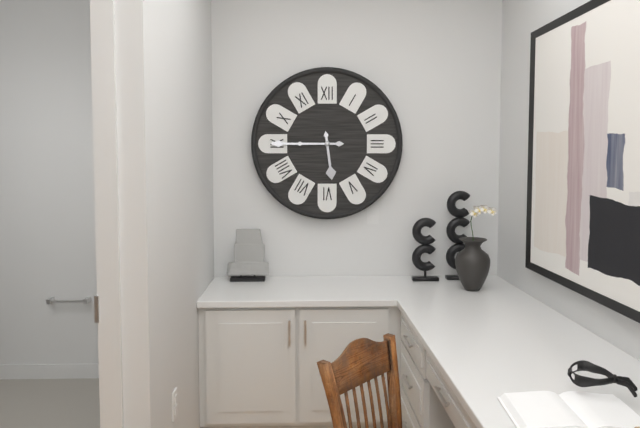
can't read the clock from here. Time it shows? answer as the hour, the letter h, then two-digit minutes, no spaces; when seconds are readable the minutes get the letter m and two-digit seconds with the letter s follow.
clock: 5h45
